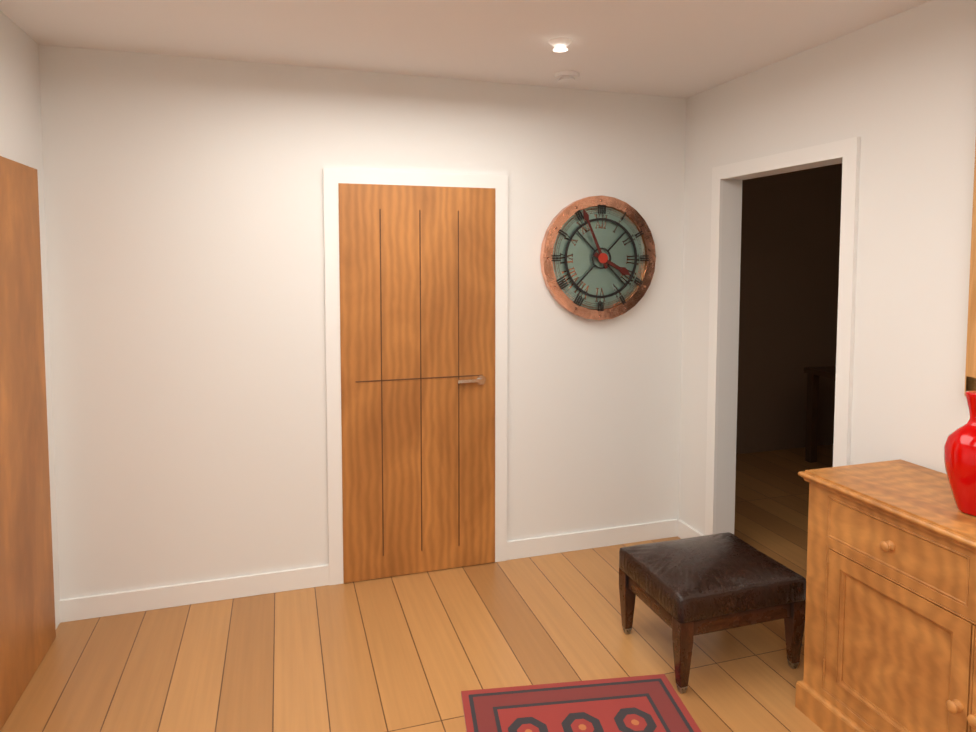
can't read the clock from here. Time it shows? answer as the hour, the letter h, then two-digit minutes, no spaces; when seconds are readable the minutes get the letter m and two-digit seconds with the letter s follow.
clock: 3h56
